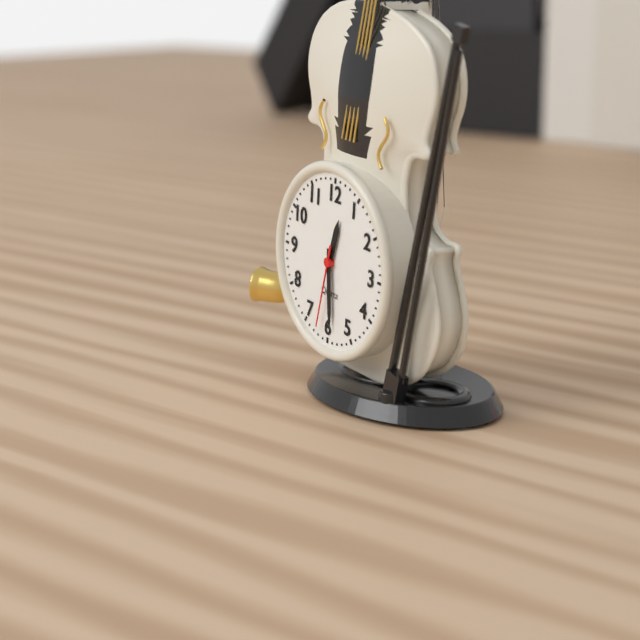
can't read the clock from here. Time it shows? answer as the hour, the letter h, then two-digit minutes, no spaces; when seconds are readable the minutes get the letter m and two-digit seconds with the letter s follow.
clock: 12h29m32s
